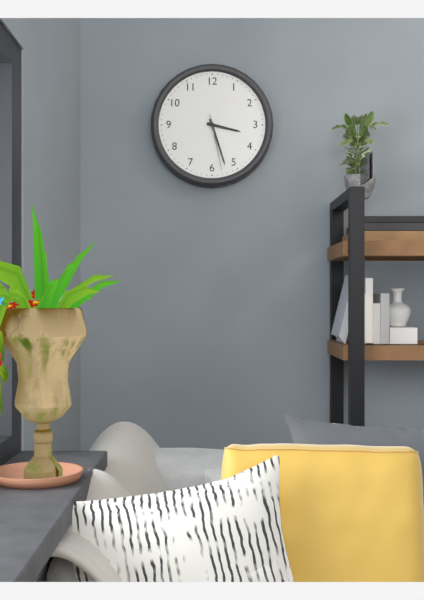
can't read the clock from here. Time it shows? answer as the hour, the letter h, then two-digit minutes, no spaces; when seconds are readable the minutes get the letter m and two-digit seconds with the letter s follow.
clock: 3h27m28s
